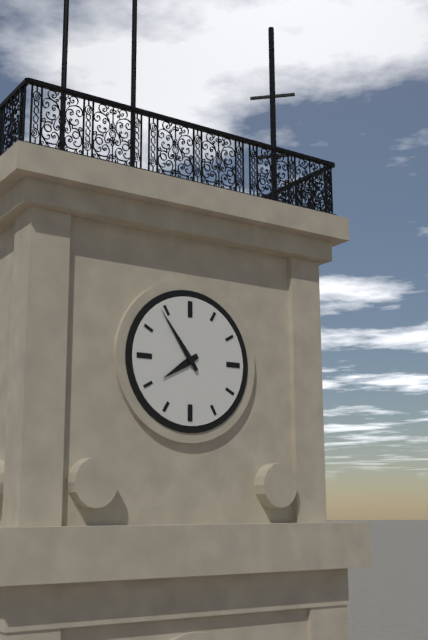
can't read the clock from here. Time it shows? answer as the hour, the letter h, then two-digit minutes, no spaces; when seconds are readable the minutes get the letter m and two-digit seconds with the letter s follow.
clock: 7h54
